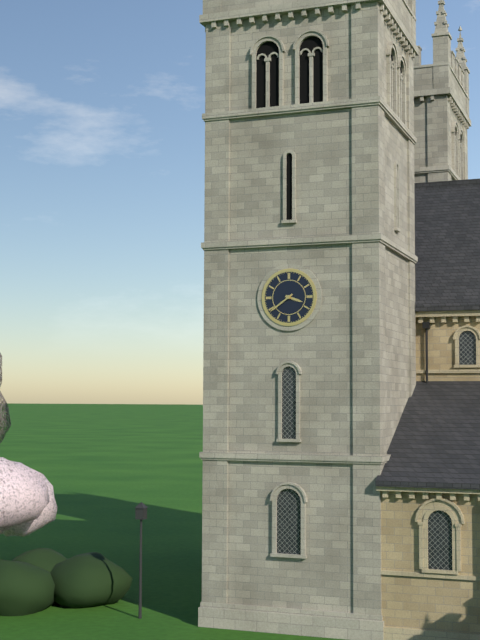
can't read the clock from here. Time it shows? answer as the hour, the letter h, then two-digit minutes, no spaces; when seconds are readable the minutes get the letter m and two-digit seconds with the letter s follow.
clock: 3h39
